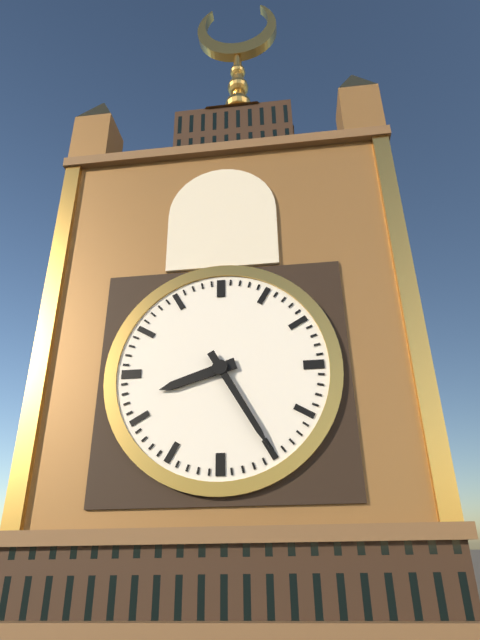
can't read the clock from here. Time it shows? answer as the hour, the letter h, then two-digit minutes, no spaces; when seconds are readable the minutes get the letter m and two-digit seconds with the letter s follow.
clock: 8h25
